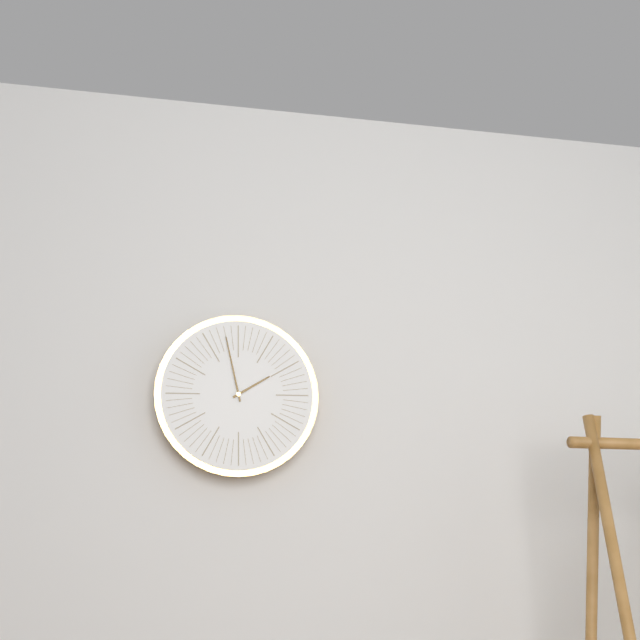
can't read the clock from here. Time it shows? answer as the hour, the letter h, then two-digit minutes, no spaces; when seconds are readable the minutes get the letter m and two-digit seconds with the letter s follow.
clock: 1h58
